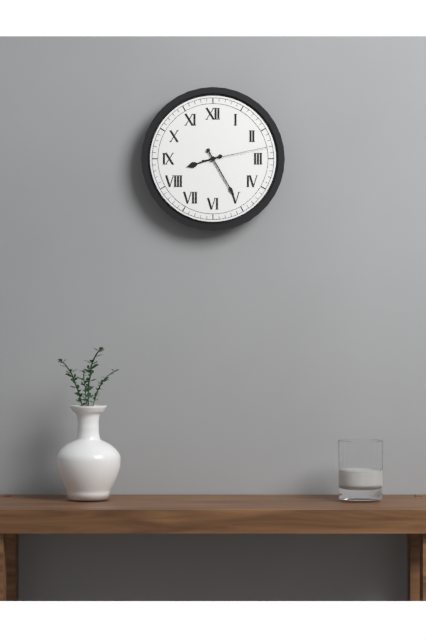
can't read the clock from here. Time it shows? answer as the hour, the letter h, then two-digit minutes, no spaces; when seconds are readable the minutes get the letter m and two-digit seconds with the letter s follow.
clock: 8h25m13s
